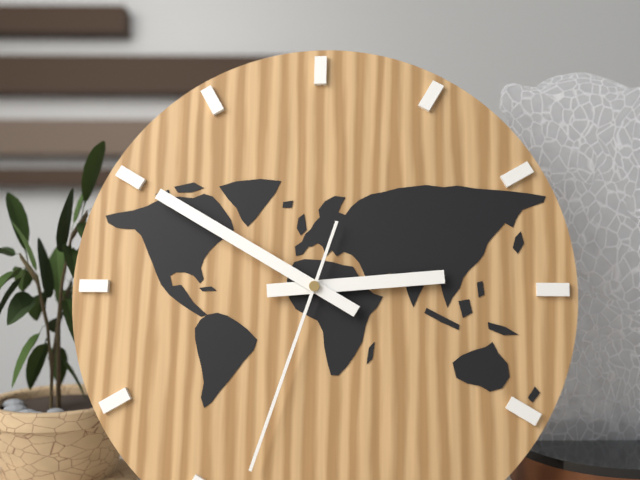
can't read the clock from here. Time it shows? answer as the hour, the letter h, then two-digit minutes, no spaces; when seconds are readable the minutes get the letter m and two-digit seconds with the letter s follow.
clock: 2h50m33s
